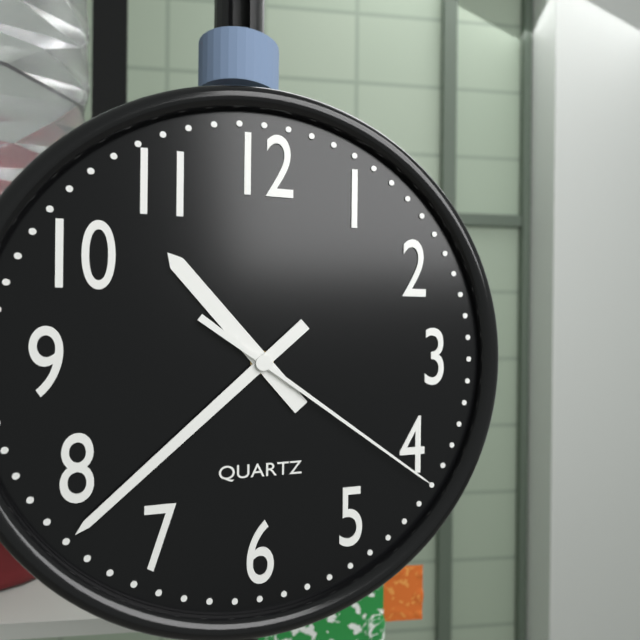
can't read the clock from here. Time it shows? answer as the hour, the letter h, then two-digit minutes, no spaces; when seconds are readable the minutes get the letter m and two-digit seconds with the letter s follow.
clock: 10h38m21s
